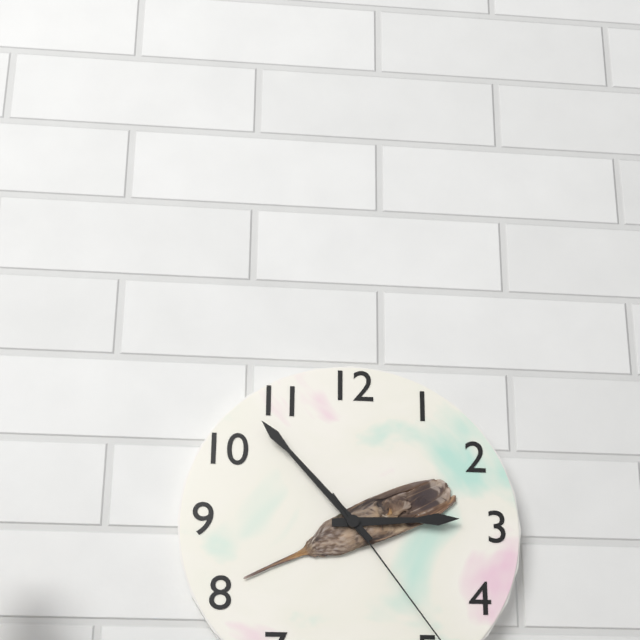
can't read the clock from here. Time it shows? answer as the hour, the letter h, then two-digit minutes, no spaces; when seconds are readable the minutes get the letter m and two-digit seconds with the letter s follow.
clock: 2h53
